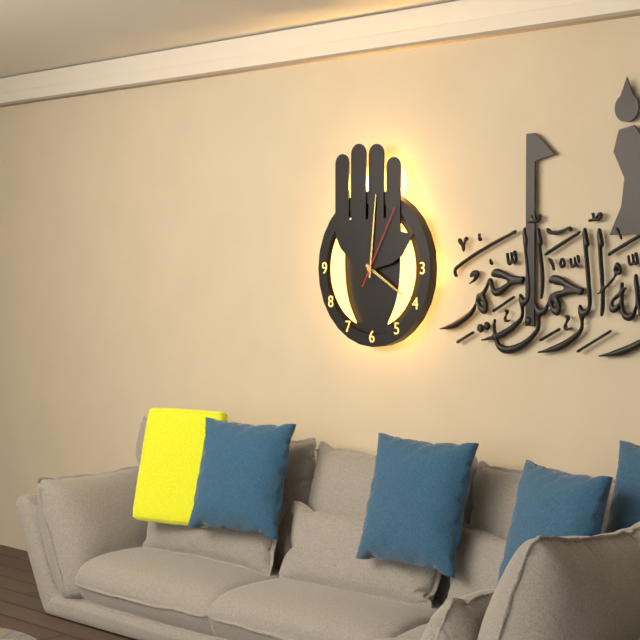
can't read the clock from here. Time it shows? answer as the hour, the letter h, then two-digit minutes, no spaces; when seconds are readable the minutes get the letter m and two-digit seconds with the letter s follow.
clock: 4h01m05s
